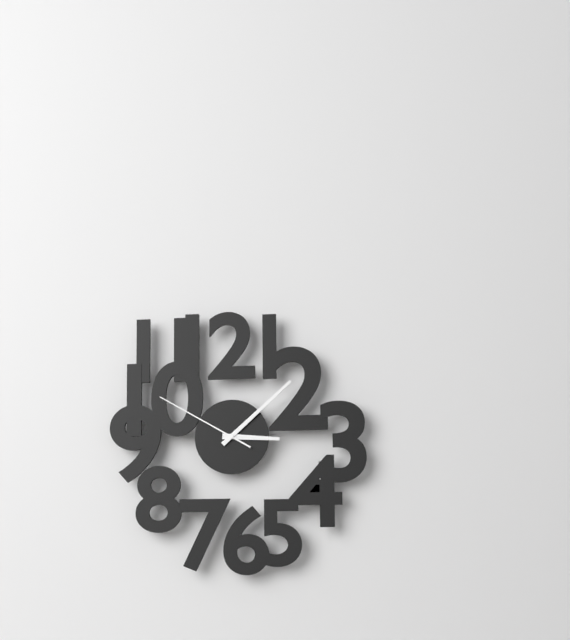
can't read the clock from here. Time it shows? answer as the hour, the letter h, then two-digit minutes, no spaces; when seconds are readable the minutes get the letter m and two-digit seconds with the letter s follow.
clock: 3h08m50s
